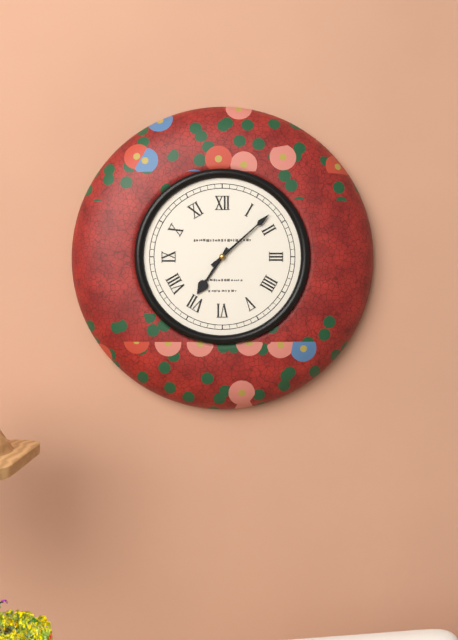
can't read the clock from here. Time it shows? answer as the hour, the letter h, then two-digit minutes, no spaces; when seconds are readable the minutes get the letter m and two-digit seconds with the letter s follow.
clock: 7h08
